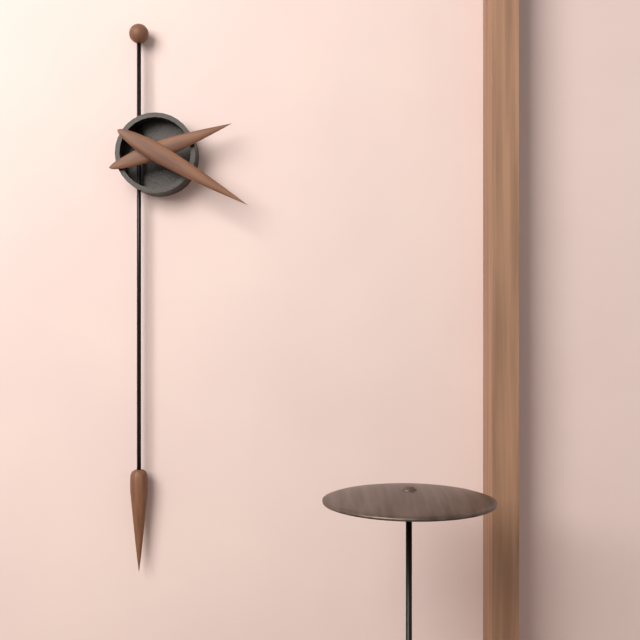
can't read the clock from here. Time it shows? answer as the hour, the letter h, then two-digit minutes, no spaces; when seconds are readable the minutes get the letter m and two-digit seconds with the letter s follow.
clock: 2h20
